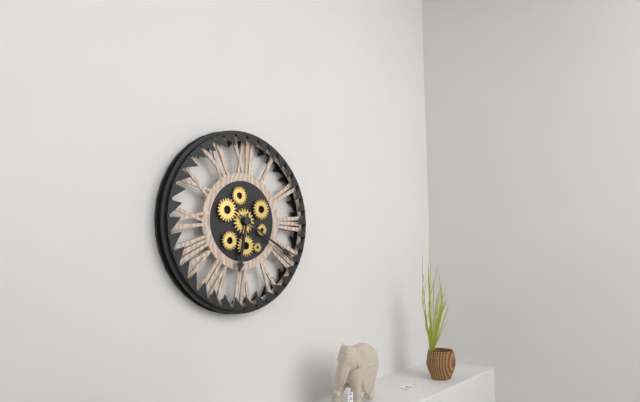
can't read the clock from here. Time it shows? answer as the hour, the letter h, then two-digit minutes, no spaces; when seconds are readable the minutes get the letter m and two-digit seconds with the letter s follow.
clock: 6h20
